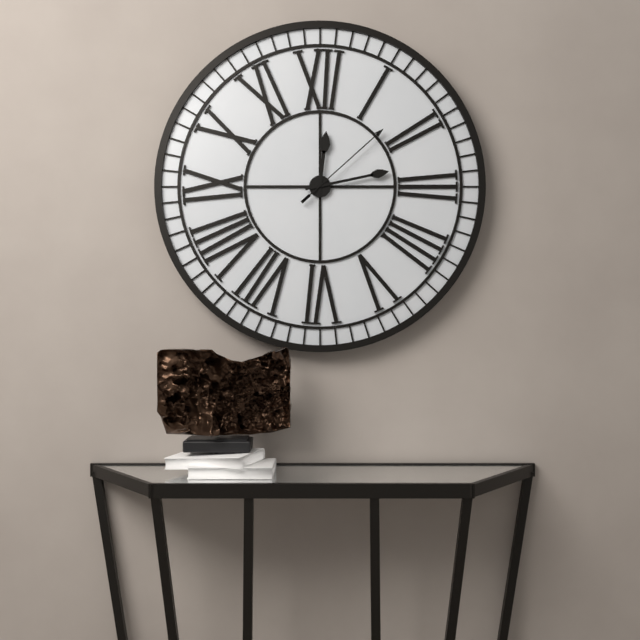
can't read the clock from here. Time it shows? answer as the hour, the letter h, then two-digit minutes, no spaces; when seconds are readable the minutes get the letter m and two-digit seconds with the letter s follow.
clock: 12h13m08s
